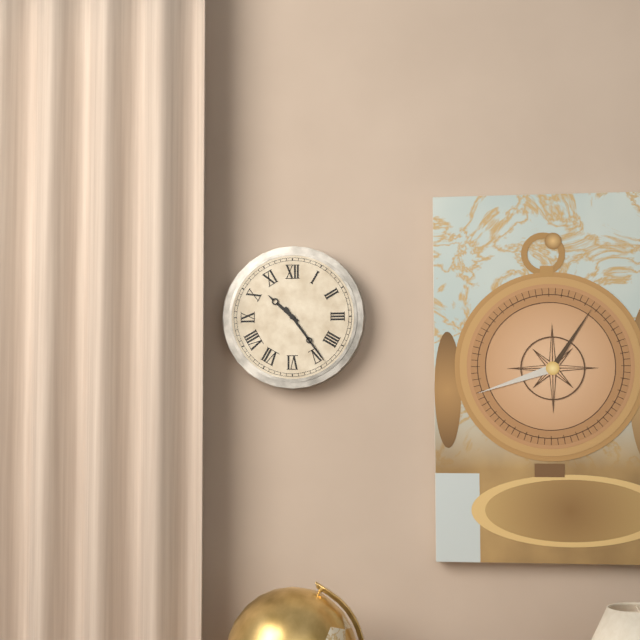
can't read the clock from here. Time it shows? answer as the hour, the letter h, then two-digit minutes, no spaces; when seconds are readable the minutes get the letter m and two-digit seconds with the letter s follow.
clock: 10h24
